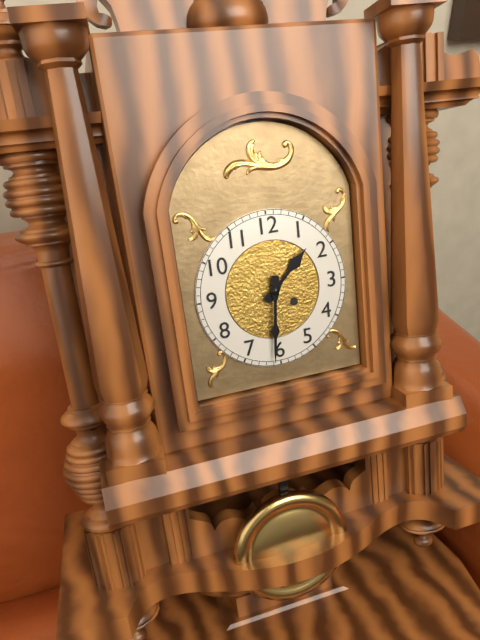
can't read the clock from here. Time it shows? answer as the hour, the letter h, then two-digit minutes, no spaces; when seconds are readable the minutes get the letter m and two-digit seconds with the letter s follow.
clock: 1h31
